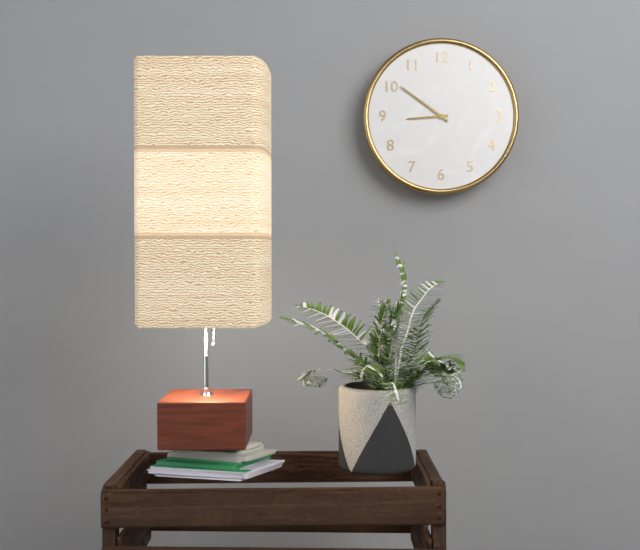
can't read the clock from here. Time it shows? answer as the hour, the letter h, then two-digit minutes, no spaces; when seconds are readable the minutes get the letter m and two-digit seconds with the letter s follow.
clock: 8h51
